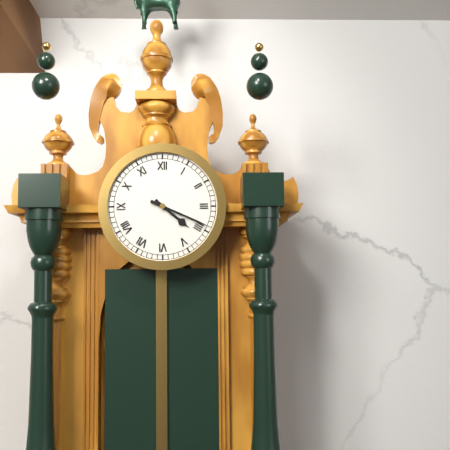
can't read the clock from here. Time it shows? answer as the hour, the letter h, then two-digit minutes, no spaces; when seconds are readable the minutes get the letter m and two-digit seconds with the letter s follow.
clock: 4h19
